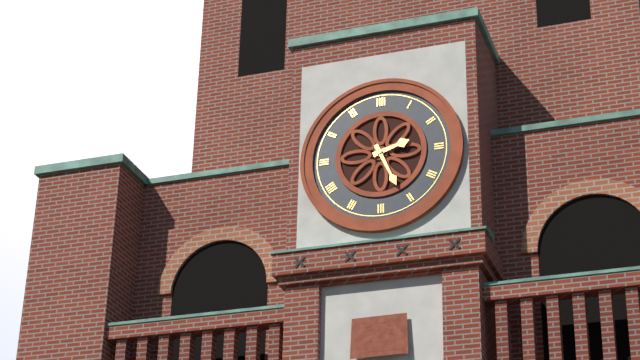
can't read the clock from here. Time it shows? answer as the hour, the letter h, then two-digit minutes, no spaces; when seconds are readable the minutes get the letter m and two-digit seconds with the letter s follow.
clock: 2h26
